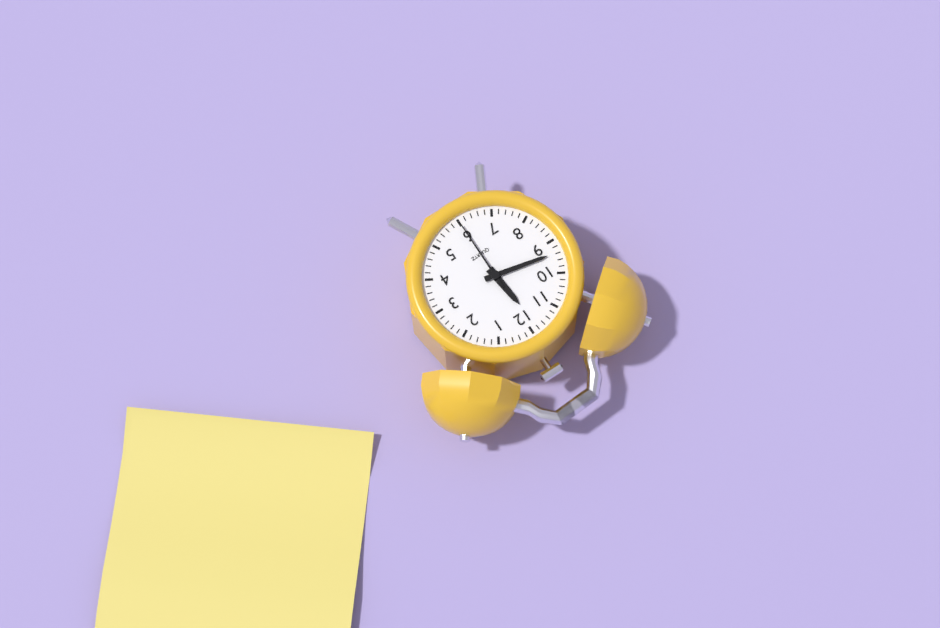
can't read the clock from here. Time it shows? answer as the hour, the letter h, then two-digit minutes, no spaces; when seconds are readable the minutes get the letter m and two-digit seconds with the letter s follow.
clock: 11h47m30s
